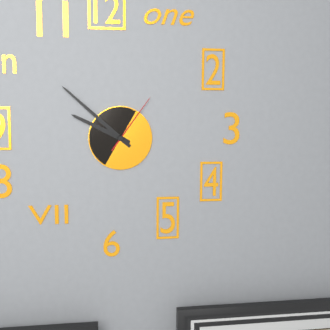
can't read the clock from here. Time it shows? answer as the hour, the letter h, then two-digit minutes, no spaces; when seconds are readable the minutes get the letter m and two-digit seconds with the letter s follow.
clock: 9h52m06s
